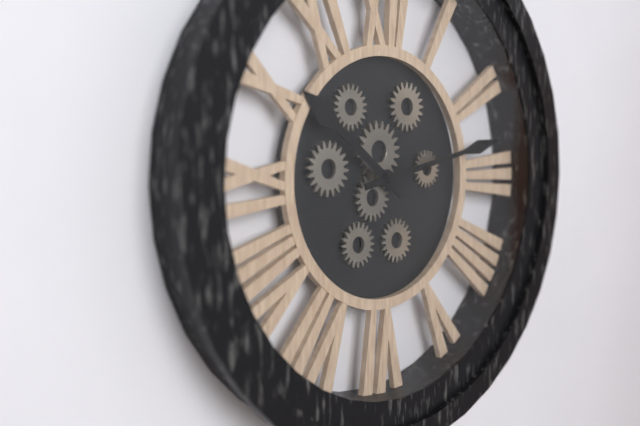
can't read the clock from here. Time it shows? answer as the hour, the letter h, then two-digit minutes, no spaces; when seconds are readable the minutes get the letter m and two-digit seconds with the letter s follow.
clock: 10h13
